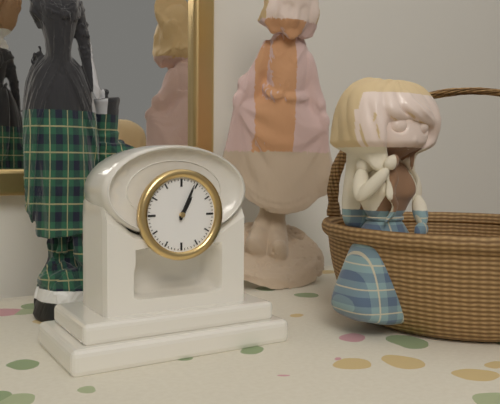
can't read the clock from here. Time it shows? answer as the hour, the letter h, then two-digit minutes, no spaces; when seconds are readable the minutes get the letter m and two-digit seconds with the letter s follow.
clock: 1h04
